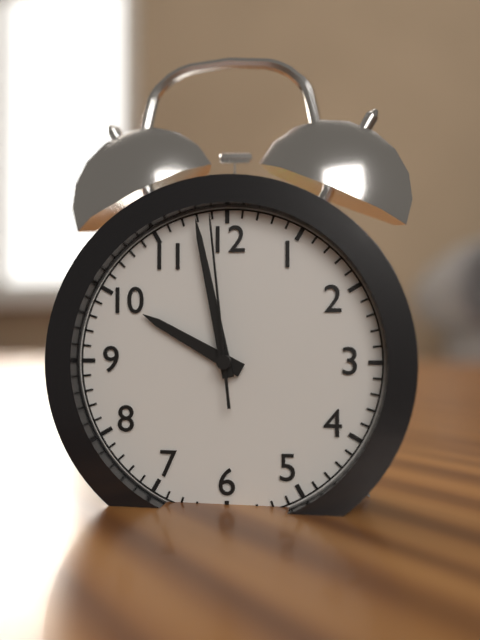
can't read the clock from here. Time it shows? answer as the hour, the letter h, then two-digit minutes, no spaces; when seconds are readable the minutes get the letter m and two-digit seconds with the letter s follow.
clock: 9h58m59s
